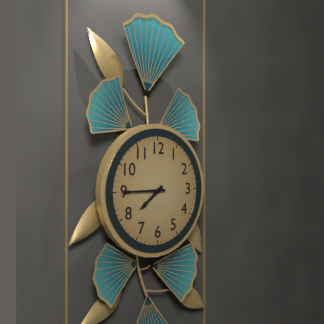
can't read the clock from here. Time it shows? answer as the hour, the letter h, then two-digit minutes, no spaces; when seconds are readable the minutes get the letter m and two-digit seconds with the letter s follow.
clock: 7h45
